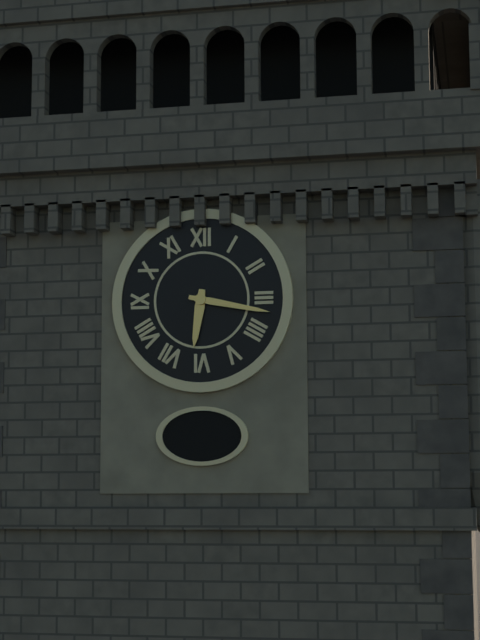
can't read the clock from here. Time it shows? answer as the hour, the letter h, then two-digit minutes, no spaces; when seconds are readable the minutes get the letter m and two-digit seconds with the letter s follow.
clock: 6h17
